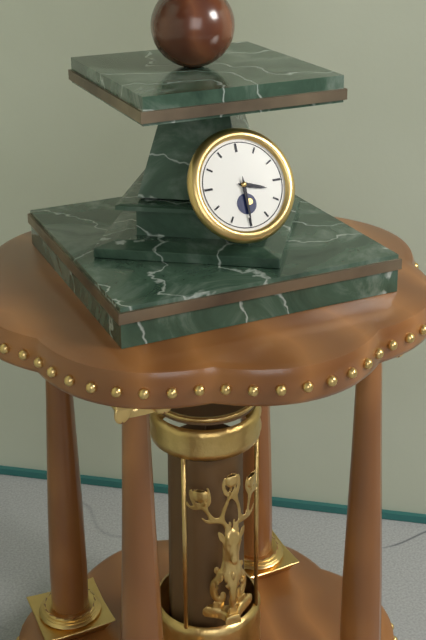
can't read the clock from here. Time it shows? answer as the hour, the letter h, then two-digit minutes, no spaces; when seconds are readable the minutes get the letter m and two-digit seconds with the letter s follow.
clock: 3h30
